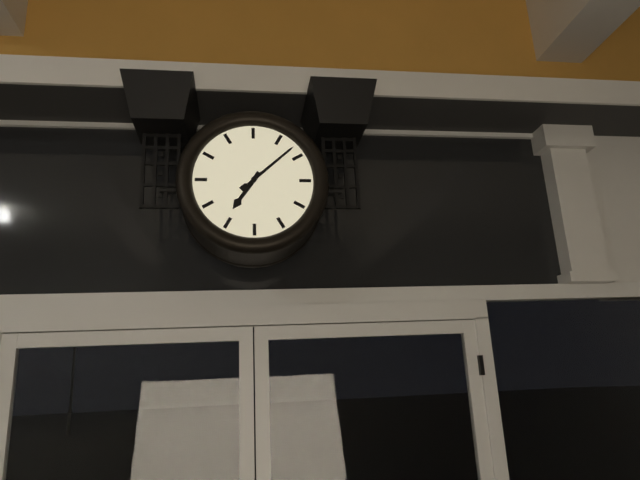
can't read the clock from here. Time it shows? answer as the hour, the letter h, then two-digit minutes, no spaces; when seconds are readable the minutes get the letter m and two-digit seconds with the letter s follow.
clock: 7h08
